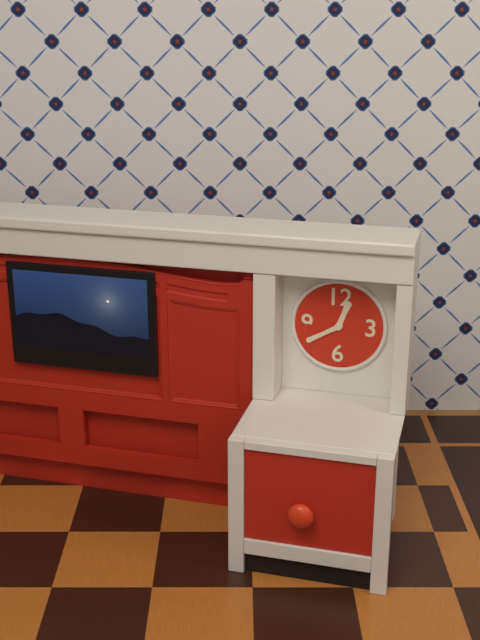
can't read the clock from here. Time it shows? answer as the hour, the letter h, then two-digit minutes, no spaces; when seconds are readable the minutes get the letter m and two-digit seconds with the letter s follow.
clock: 12h40
